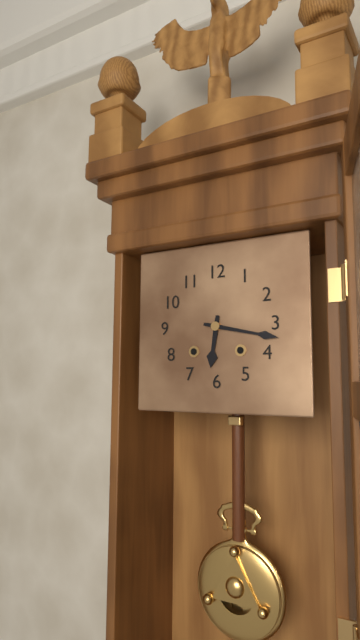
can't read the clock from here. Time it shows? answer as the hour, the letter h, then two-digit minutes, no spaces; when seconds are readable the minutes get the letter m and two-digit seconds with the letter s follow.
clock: 6h17
